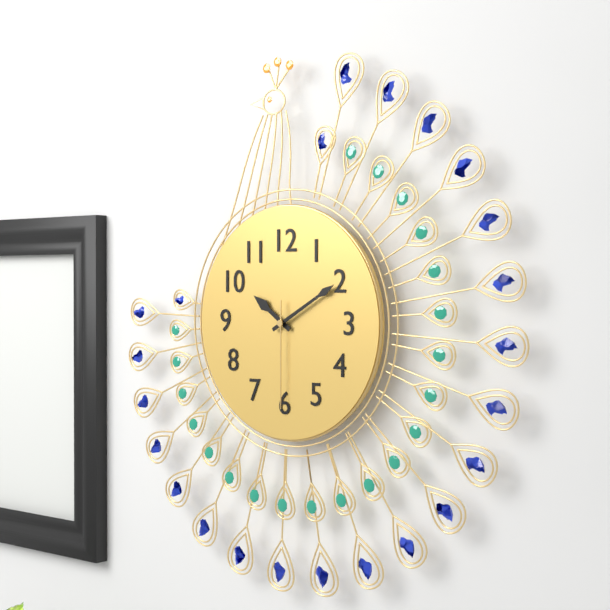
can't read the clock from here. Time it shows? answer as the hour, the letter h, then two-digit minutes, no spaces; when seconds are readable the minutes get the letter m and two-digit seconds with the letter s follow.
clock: 10h10m30s
